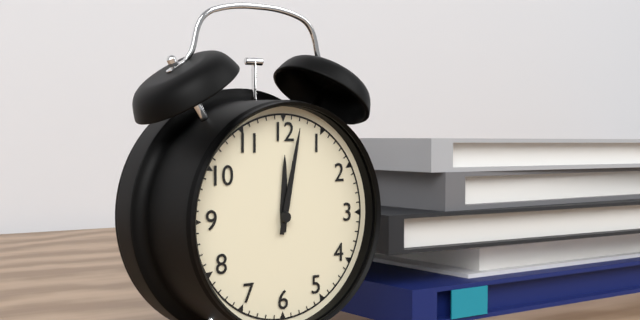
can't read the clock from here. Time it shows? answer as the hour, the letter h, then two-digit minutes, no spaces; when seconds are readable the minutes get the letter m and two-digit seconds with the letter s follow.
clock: 12h02
